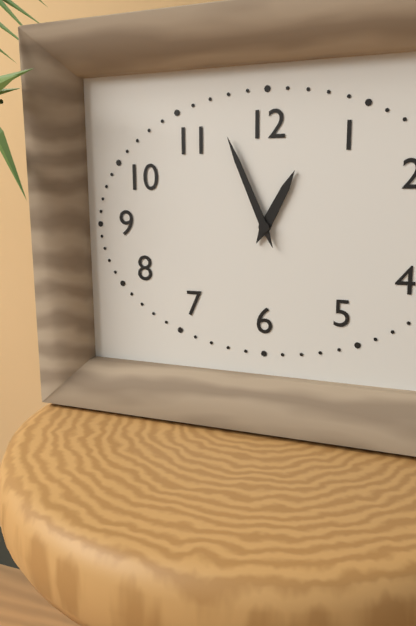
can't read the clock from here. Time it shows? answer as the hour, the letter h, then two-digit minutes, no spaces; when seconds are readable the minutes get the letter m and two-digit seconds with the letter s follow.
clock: 12h56
